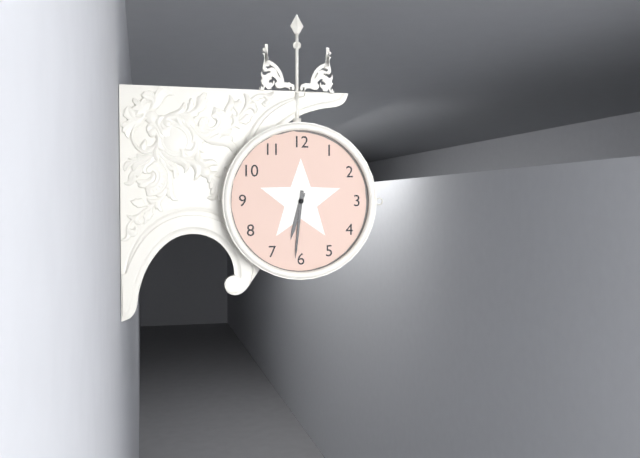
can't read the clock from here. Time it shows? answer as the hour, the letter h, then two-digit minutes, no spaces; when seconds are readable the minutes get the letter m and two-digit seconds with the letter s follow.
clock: 6h31
